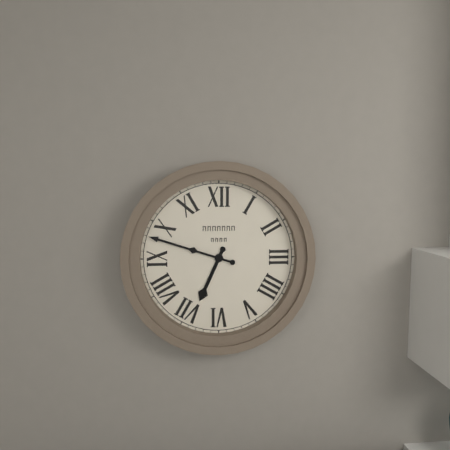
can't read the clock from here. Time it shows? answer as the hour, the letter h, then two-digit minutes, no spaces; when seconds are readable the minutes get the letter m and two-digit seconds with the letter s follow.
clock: 6h48
